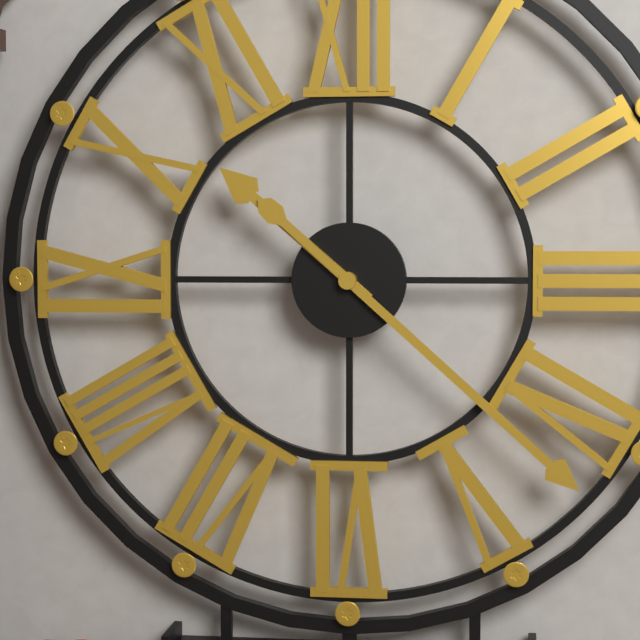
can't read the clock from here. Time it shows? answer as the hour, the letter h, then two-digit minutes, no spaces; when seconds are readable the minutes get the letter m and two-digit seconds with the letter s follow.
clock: 10h22
